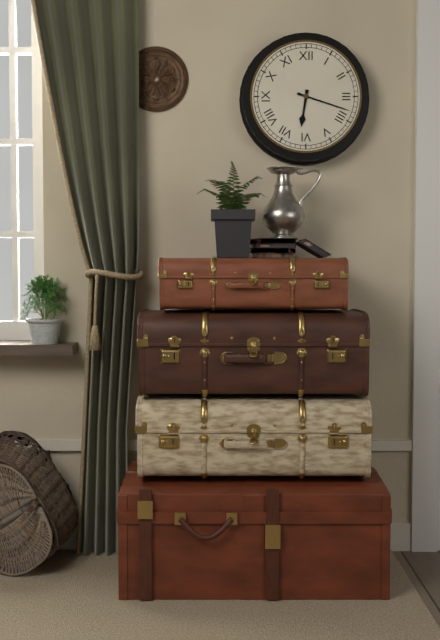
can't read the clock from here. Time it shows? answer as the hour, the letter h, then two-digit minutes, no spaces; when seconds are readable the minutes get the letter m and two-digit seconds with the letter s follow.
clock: 6h18
